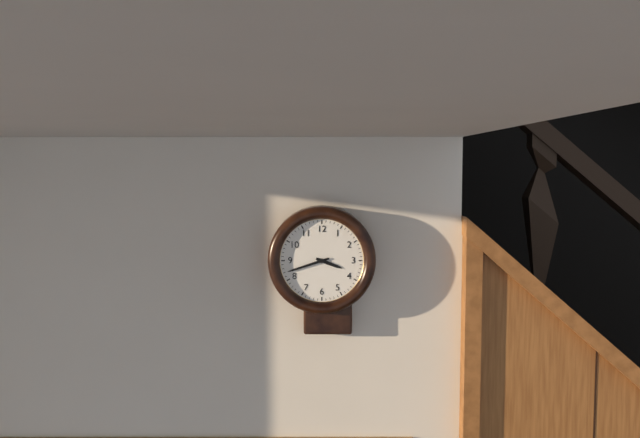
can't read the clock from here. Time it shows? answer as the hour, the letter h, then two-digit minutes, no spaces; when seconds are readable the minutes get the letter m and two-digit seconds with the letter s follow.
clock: 3h42
